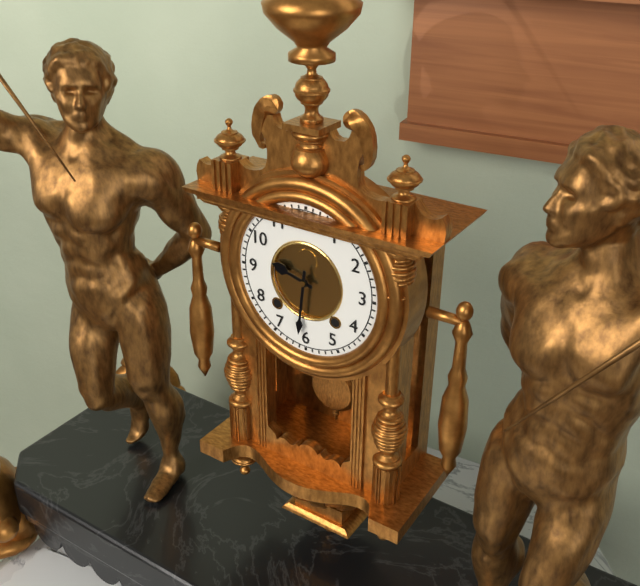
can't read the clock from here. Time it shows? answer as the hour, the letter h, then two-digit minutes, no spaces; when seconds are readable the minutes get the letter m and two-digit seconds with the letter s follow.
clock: 9h31
